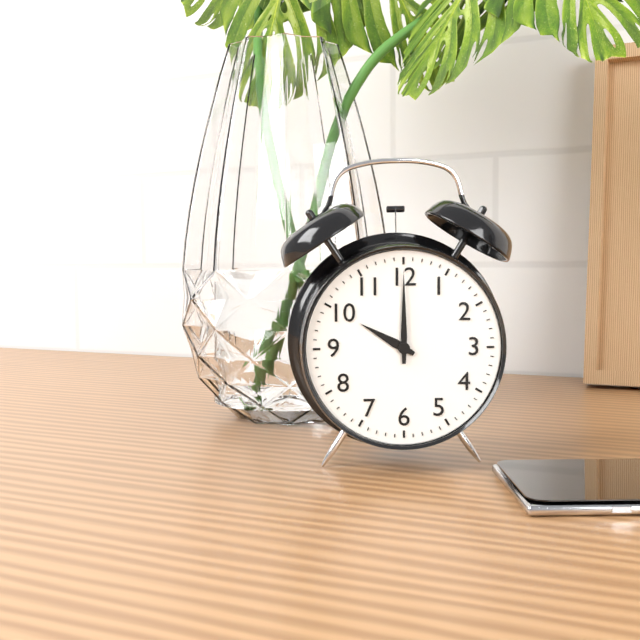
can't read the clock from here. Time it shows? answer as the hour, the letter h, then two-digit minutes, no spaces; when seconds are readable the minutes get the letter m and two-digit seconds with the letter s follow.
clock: 10h00
